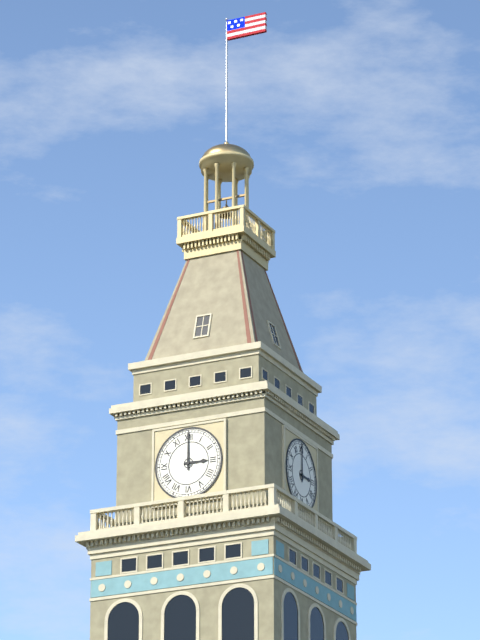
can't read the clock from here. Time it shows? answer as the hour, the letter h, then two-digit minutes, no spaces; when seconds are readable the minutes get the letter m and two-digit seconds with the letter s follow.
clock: 3h00
